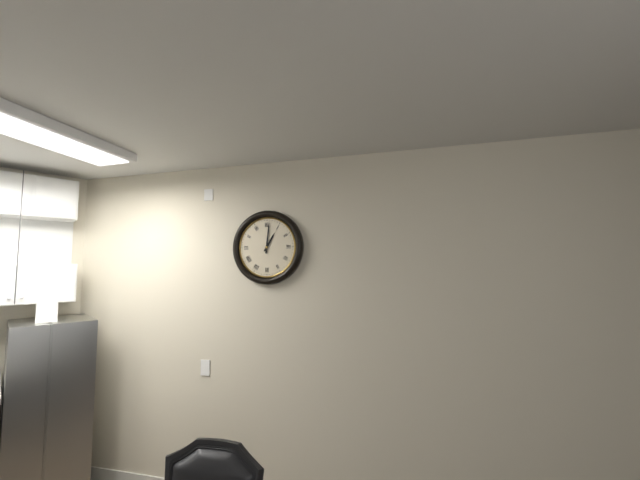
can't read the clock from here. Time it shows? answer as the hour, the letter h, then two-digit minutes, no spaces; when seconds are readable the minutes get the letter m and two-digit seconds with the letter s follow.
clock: 1h01
